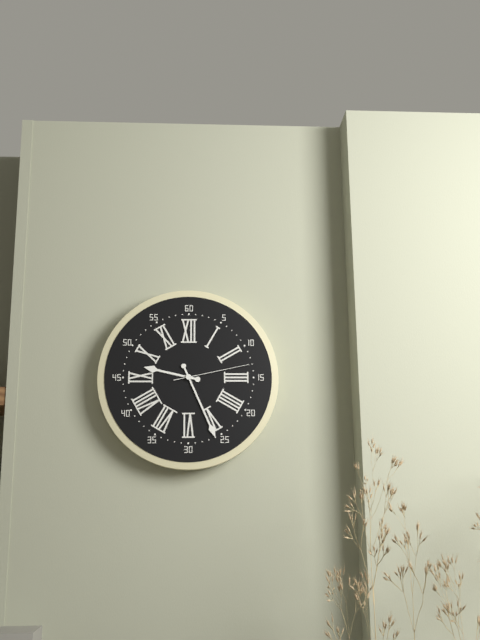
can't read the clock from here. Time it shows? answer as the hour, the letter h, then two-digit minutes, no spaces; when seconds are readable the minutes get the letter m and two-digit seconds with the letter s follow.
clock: 9h26m13s
